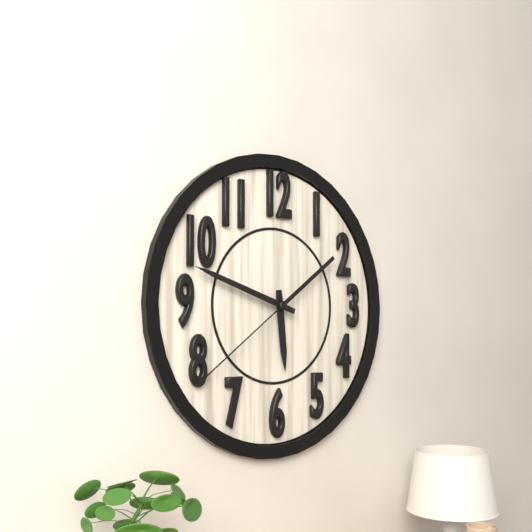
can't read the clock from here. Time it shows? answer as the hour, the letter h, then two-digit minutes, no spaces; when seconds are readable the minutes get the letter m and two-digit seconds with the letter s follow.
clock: 5h48m39s
